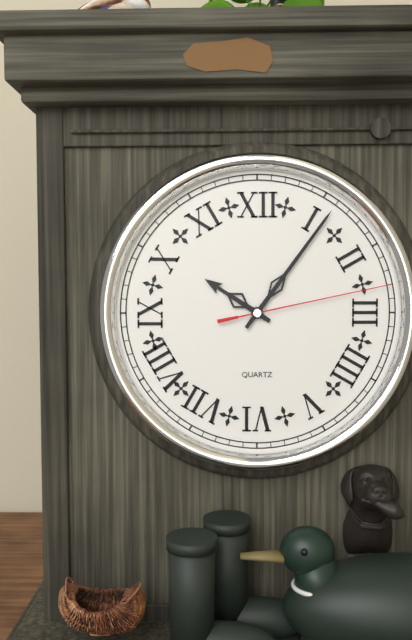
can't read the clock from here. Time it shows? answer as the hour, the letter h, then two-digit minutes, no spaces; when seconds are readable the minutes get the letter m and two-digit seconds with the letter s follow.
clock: 10h06m13s
